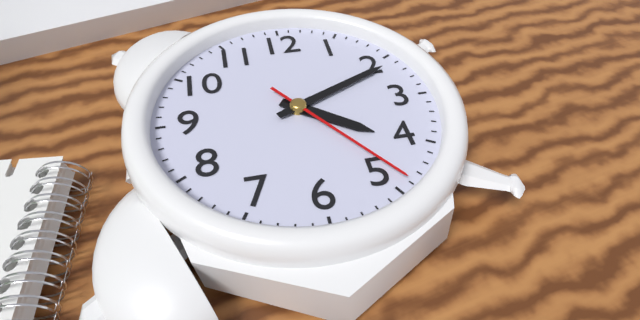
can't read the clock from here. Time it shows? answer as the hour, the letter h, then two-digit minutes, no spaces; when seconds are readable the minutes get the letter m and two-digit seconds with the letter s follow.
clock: 4h11m24s
